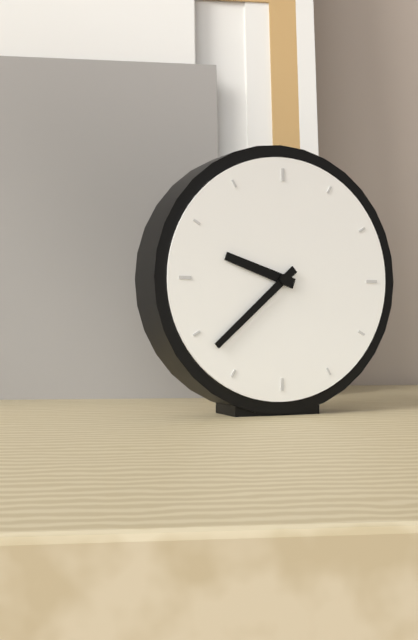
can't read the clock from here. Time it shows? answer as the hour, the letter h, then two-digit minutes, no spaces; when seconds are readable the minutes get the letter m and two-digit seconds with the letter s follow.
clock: 9h38
